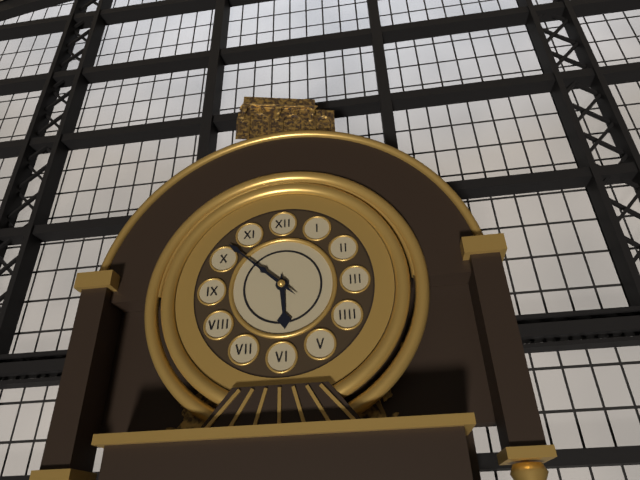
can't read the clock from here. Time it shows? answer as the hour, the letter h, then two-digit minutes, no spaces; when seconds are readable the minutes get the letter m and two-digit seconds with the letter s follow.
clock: 5h52
